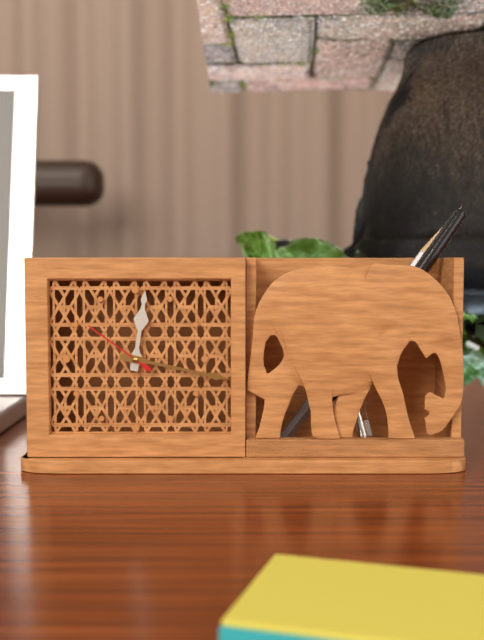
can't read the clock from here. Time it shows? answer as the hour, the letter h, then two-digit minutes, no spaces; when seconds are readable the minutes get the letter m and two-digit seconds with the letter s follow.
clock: 12h17m51s
